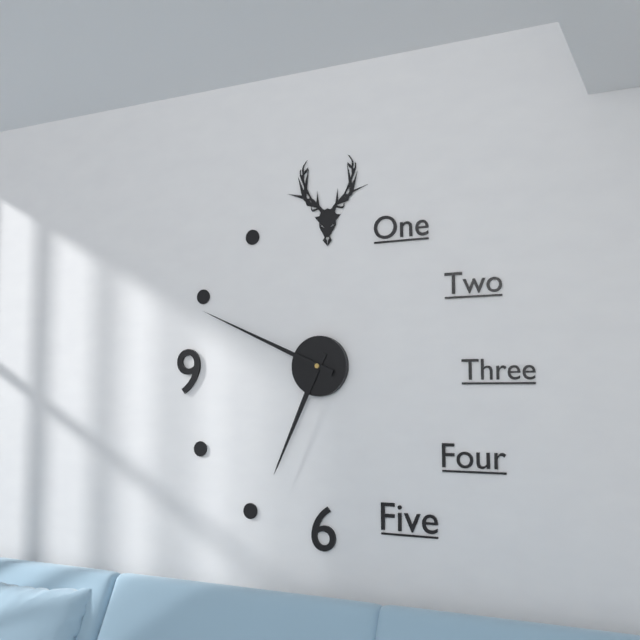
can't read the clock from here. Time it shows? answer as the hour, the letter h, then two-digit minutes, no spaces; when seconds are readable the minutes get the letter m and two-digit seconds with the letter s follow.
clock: 6h49
